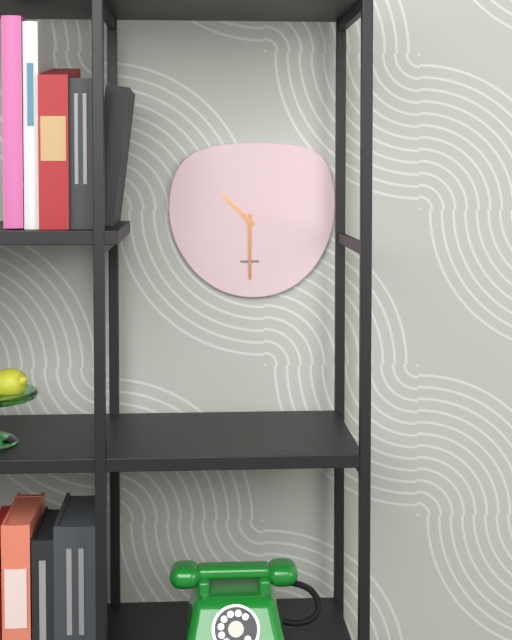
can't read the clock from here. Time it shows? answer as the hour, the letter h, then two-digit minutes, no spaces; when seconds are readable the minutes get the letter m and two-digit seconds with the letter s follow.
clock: 10h30
